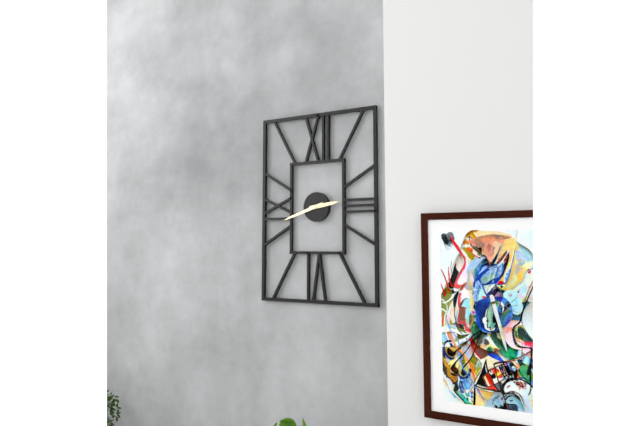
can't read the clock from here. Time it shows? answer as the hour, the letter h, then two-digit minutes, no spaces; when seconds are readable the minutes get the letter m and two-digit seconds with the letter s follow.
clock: 2h42
